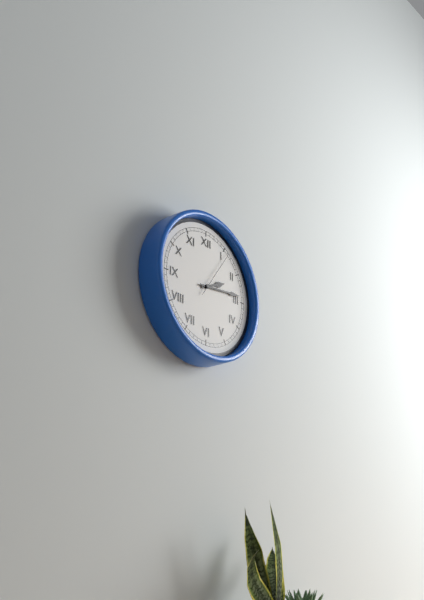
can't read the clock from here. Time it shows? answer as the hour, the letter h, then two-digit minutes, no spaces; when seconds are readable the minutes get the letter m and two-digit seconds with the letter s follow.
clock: 2h14
